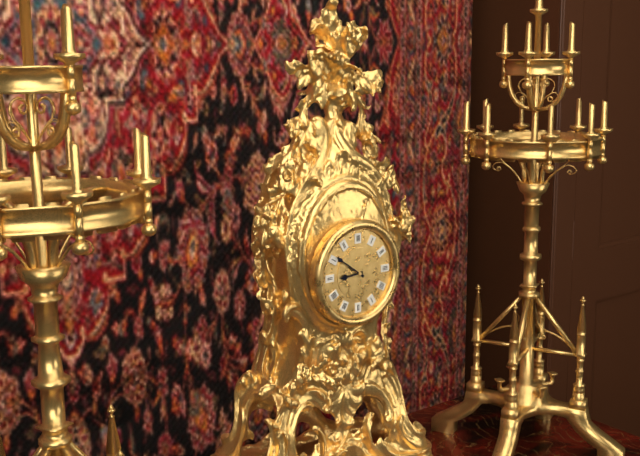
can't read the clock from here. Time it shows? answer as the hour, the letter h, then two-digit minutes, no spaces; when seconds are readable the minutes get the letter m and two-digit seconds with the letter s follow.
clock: 8h51
